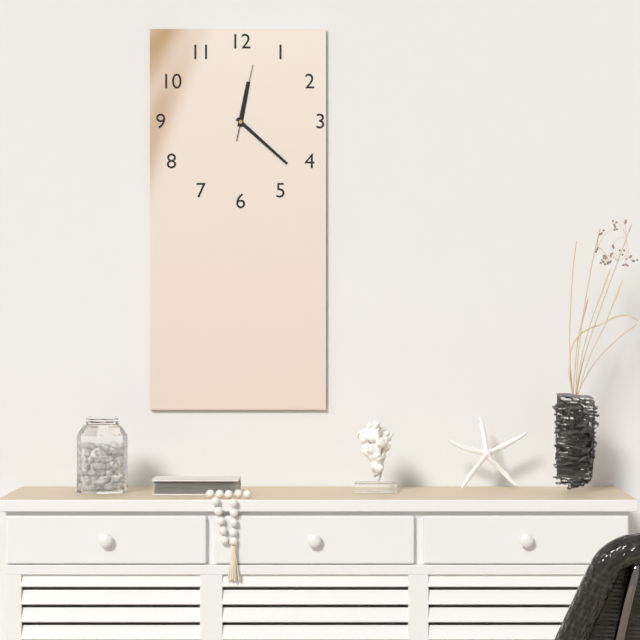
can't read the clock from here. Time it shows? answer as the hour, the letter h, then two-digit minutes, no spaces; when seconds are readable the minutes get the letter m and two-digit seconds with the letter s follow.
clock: 12h22m02s
